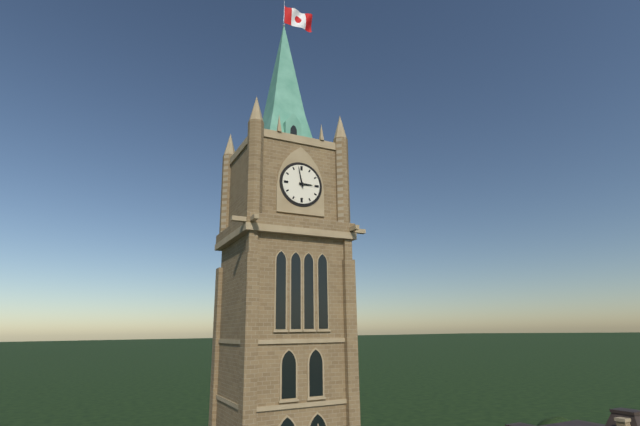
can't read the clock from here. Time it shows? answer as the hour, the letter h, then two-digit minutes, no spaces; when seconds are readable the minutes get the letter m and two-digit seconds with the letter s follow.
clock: 2h58
